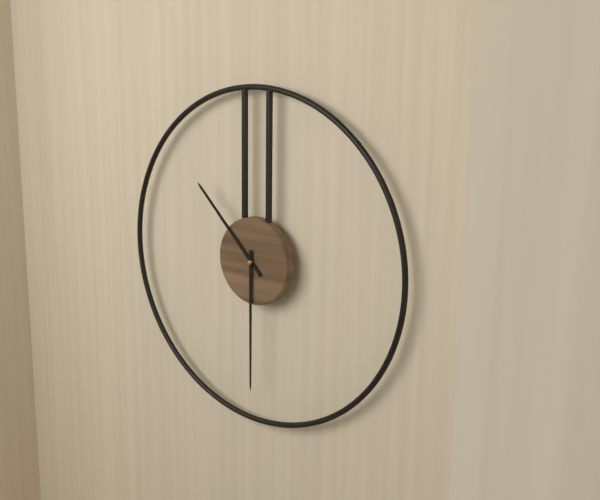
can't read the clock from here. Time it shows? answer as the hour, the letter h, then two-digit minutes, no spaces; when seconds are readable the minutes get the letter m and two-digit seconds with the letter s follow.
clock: 10h30
